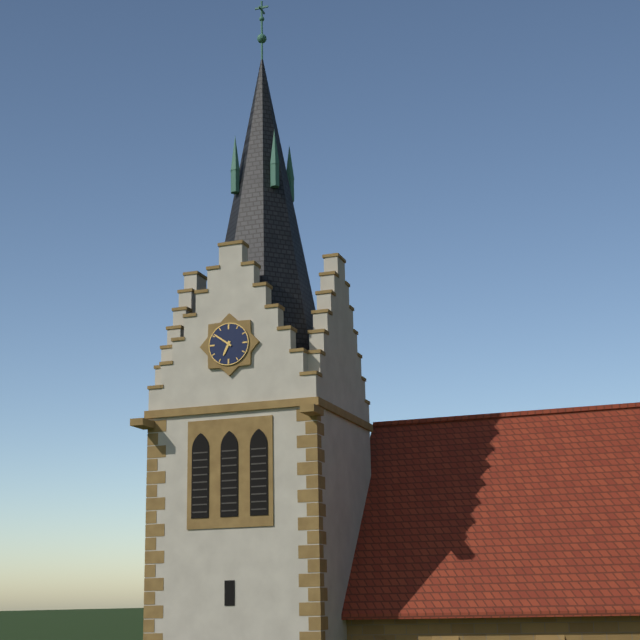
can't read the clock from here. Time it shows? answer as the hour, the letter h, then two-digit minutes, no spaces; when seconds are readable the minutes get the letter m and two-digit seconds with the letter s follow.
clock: 6h51
